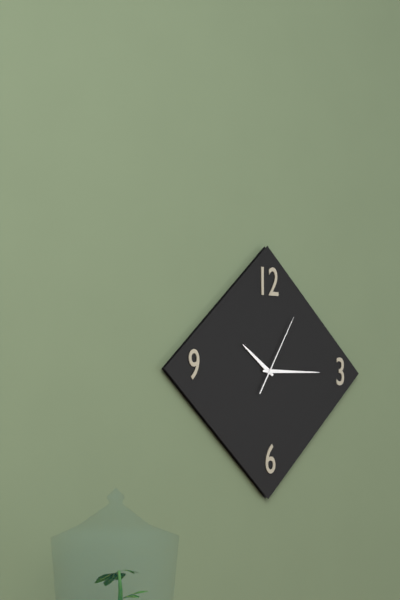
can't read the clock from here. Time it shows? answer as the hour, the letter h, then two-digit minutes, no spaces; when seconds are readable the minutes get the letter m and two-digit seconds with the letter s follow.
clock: 10h15m05s
